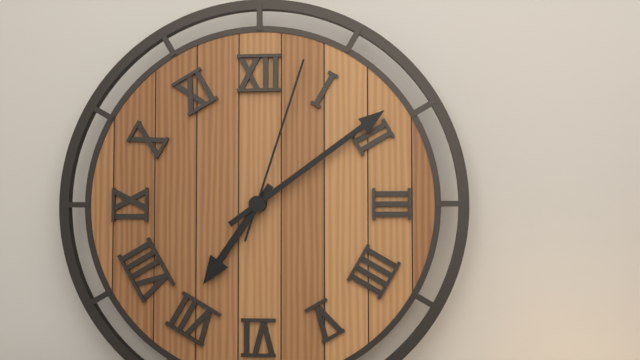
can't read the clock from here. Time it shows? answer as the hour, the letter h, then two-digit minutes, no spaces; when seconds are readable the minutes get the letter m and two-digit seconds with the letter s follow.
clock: 7h09m03s
